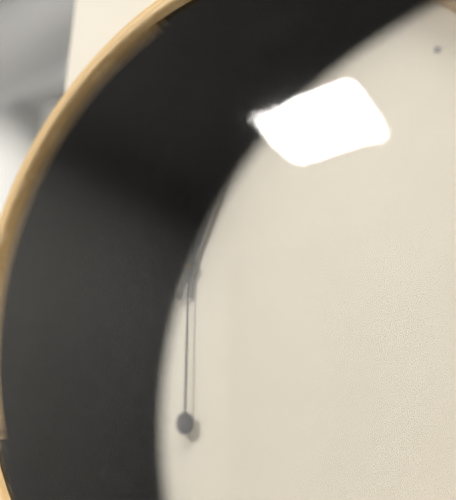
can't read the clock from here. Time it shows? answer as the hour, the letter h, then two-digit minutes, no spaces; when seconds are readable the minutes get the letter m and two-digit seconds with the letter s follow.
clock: 12h04m00s
